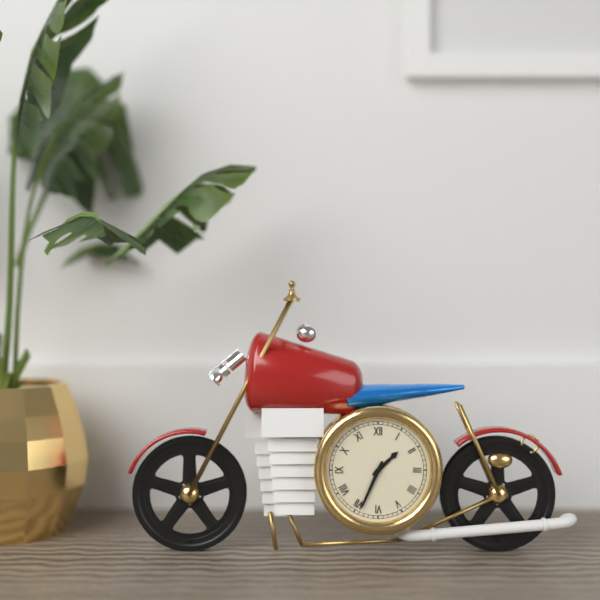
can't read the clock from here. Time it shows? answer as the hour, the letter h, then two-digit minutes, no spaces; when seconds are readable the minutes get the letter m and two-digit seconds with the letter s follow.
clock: 1h34
